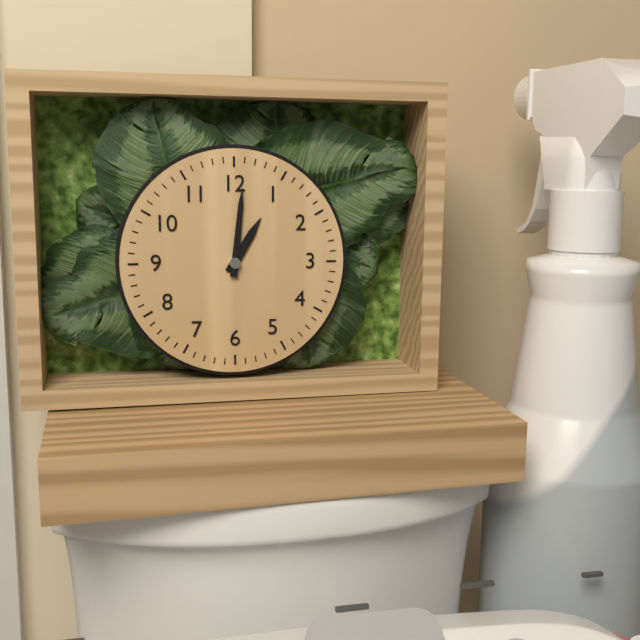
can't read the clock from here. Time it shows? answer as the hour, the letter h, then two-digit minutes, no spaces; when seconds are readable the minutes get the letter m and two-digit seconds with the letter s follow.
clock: 1h01
